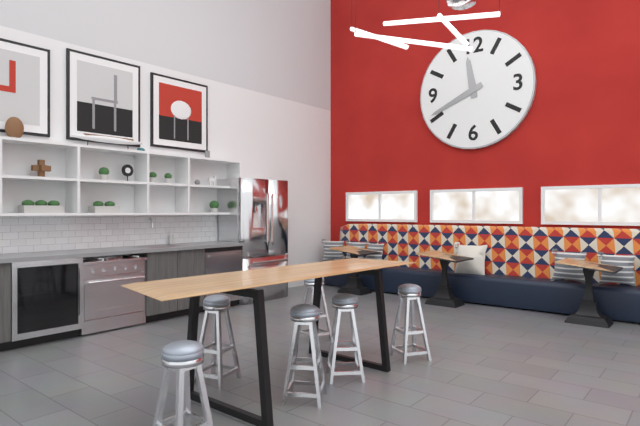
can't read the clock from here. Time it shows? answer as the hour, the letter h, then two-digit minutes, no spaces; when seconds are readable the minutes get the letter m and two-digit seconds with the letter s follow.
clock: 11h41
